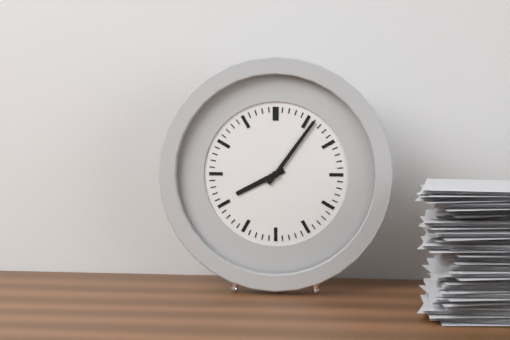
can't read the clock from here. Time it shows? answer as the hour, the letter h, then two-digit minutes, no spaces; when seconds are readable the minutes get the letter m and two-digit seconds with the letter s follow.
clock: 8h06
